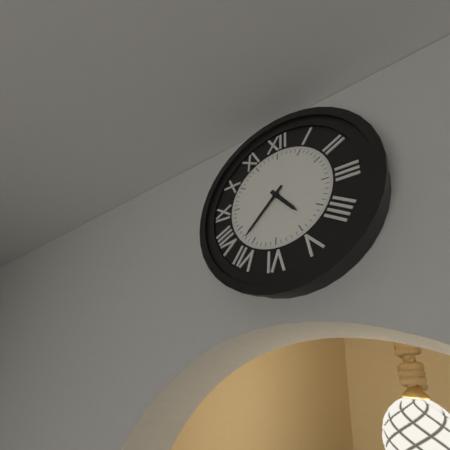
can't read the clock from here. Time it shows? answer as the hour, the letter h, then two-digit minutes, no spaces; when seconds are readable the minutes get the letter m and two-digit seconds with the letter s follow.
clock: 4h37
